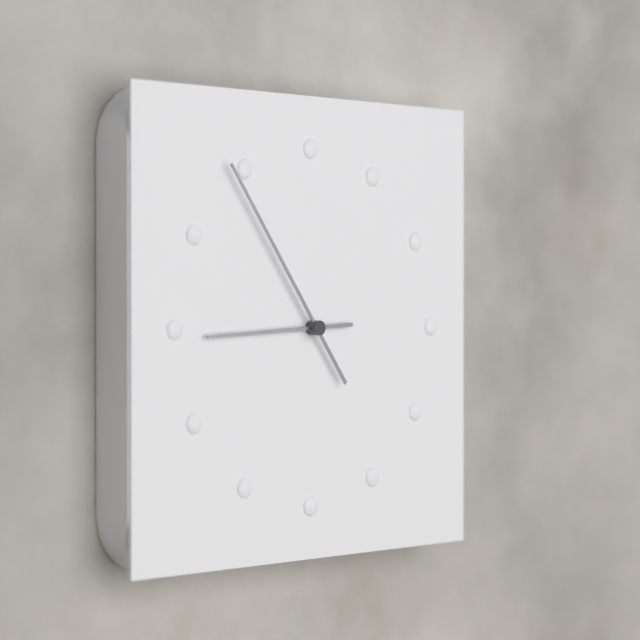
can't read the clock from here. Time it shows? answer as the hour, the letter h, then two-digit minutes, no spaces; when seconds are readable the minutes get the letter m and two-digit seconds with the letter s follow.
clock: 8h54
